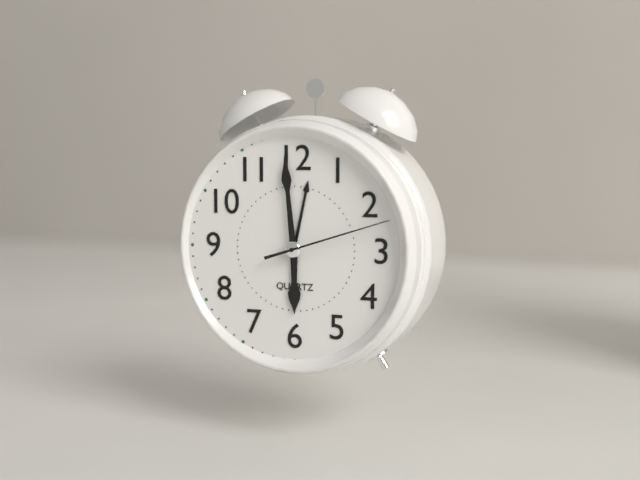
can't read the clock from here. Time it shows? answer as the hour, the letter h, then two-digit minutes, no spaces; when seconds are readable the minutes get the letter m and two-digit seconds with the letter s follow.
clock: 5h59m12s
